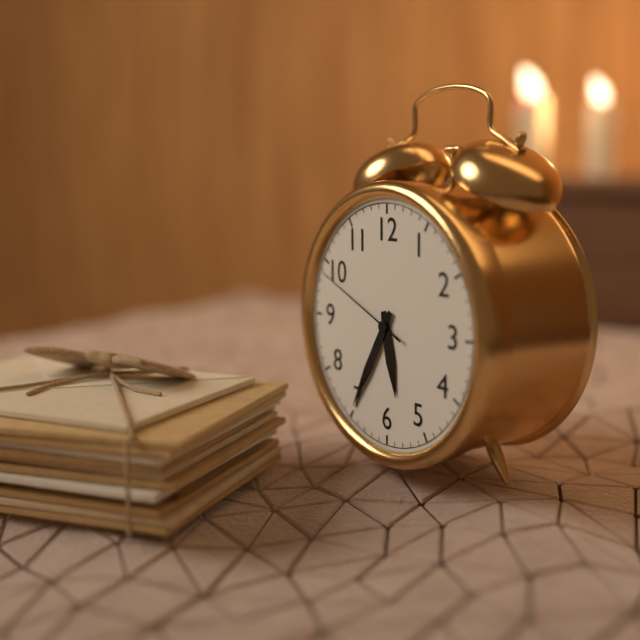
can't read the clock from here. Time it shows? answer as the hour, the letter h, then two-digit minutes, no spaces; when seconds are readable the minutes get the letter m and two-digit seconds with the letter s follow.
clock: 5h35m49s
